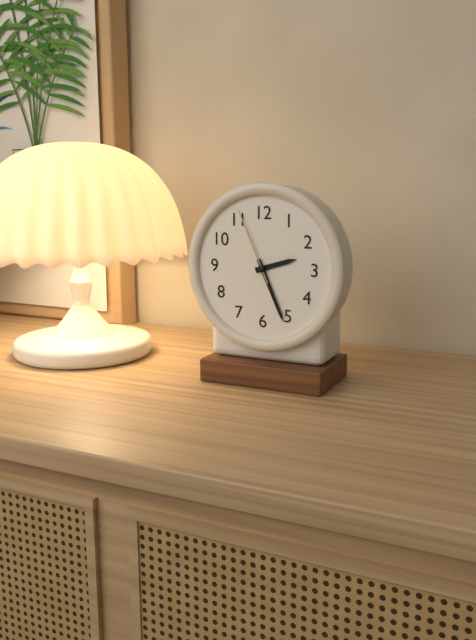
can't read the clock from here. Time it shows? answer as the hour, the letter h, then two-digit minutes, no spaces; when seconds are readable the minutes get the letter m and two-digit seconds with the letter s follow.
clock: 2h26m56s
